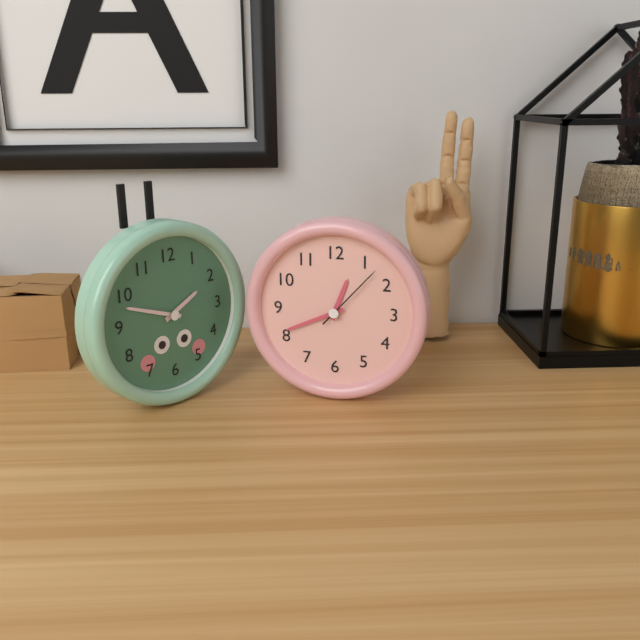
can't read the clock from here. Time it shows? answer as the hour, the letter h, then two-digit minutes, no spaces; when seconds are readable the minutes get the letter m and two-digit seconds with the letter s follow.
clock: 12h41m07s
